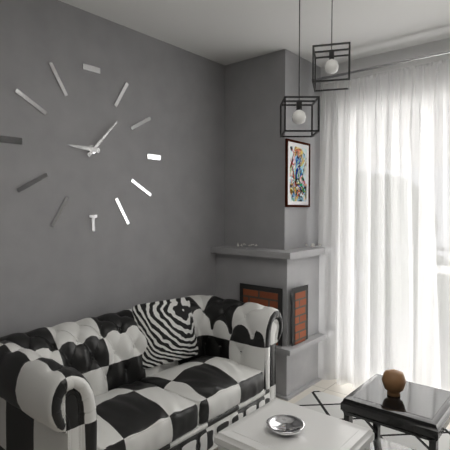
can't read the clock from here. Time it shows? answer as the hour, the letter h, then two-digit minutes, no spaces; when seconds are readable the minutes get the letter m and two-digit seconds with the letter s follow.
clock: 9h07
